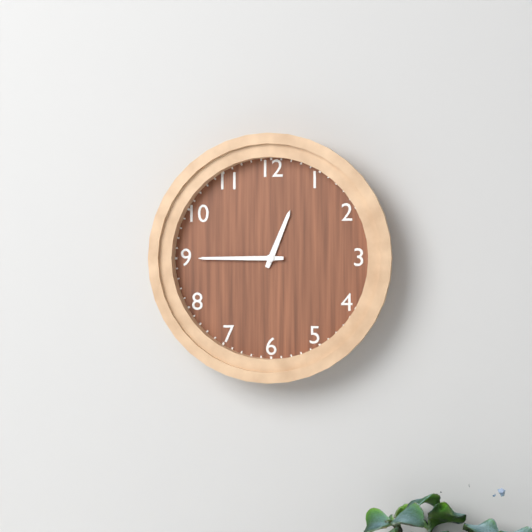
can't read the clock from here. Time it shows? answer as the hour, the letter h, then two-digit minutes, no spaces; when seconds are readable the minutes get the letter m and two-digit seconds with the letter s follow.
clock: 12h45
